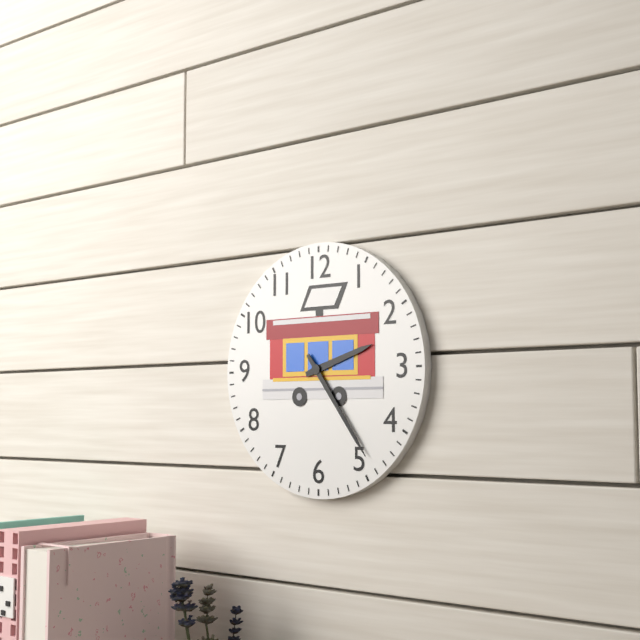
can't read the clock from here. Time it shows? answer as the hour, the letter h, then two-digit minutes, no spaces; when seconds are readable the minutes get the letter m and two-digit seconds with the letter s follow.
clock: 2h24
